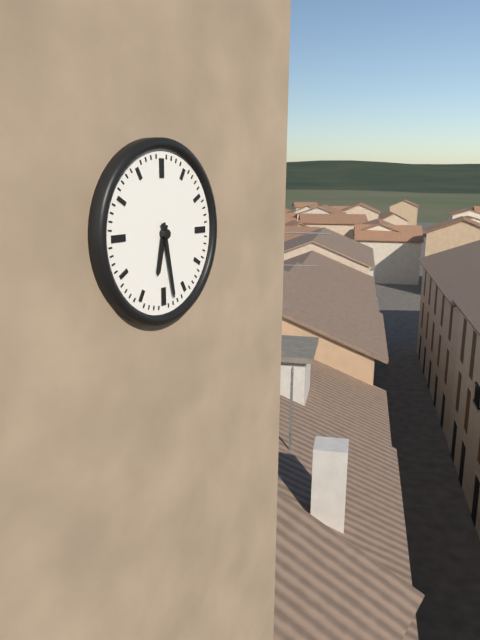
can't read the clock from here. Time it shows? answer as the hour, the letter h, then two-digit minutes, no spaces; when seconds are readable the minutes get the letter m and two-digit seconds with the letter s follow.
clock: 6h28
